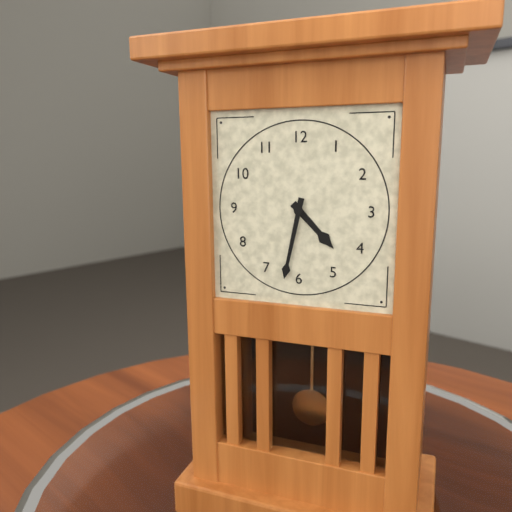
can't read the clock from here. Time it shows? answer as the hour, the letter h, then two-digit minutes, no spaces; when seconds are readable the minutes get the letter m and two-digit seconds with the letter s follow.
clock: 4h32
